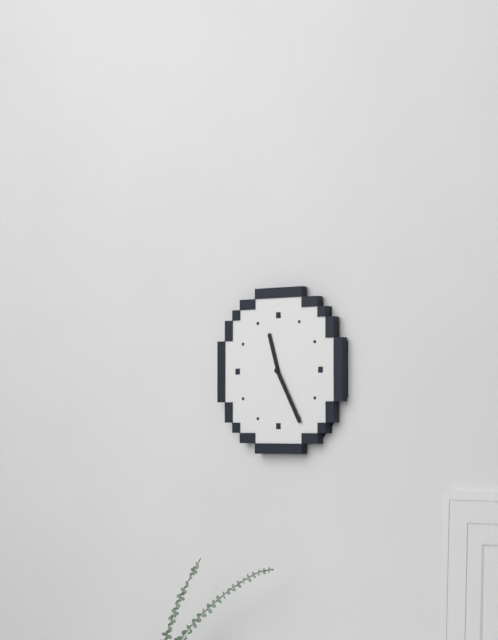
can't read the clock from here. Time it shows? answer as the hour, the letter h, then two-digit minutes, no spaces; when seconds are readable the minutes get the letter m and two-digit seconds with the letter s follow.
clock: 11h25
